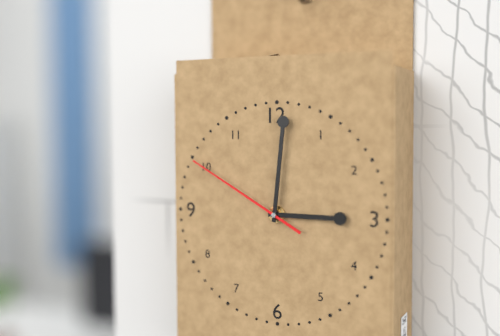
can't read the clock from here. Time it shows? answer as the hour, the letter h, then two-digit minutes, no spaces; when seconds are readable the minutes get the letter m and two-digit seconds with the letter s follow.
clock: 3h01m50s
